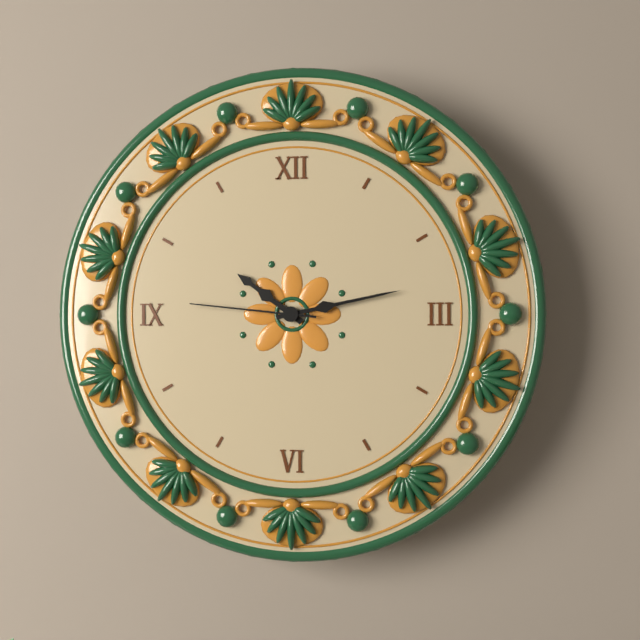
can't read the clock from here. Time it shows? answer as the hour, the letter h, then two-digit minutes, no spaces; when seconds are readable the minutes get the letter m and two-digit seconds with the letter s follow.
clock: 10h13m46s
